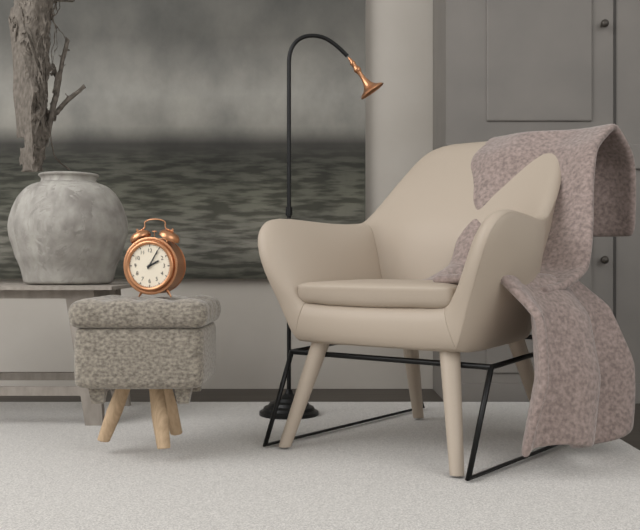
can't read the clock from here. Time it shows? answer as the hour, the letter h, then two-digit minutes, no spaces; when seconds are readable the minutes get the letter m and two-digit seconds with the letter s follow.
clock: 2h05
